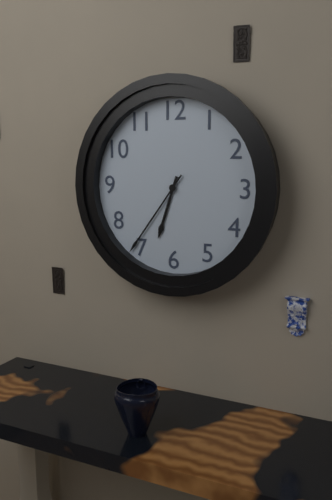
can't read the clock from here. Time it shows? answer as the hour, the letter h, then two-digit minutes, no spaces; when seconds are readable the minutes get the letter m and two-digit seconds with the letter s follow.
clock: 6h36
